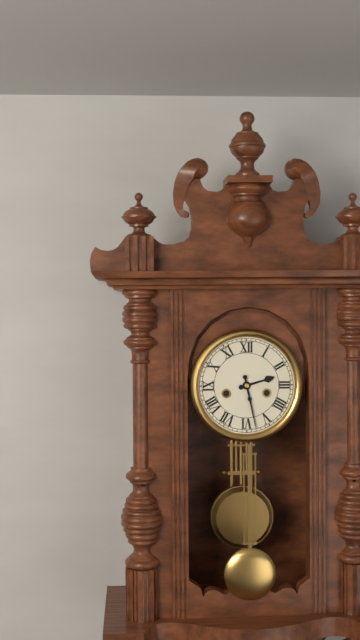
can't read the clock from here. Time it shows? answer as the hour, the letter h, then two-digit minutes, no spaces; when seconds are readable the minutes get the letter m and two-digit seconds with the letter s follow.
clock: 2h28
